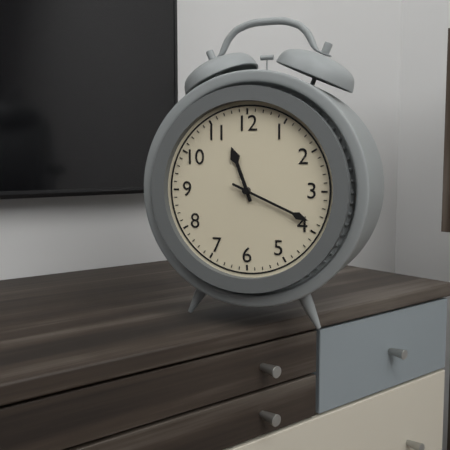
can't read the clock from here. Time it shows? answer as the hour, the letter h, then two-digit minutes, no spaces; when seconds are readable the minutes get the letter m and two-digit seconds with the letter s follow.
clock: 11h19
